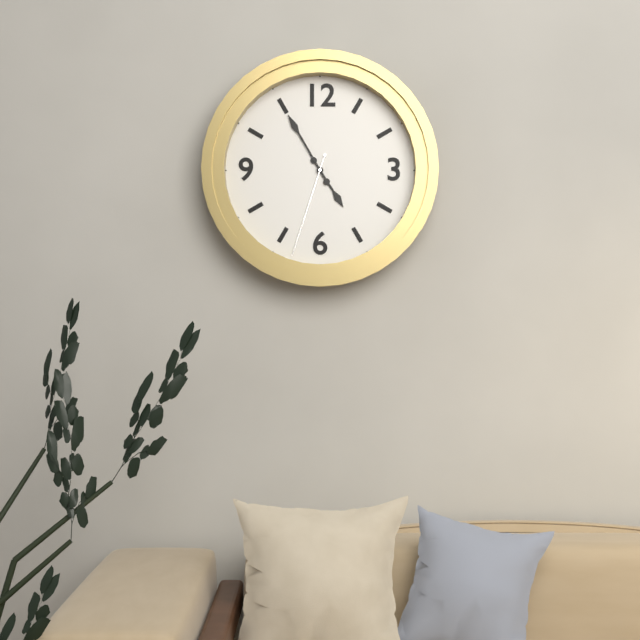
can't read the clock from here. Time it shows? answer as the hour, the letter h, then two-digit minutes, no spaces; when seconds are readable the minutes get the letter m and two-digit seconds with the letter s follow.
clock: 4h55m33s
